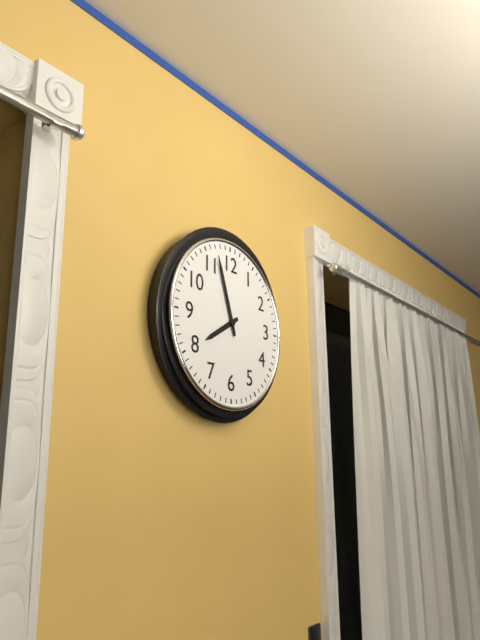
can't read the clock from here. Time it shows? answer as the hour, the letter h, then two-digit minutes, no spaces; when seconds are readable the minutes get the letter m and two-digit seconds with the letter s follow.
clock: 7h57
